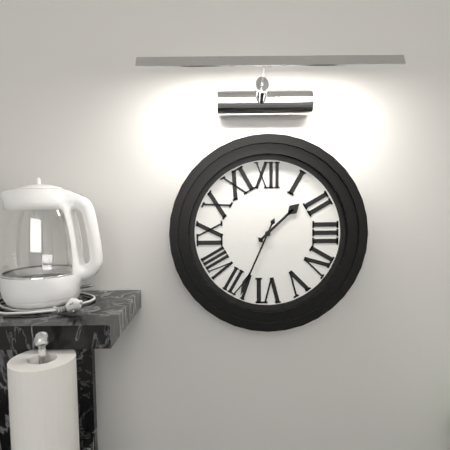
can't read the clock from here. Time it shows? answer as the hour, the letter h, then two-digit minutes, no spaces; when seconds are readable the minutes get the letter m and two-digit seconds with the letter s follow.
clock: 1h34
